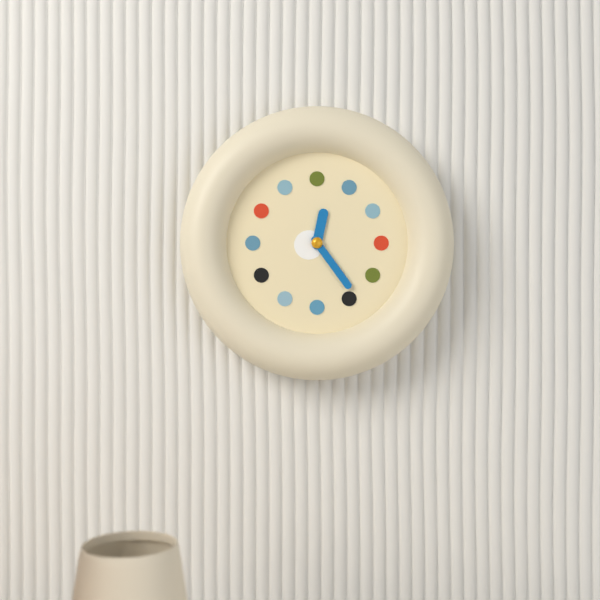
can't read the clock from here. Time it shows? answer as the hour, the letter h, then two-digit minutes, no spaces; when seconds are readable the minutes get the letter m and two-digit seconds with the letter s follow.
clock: 12h24
